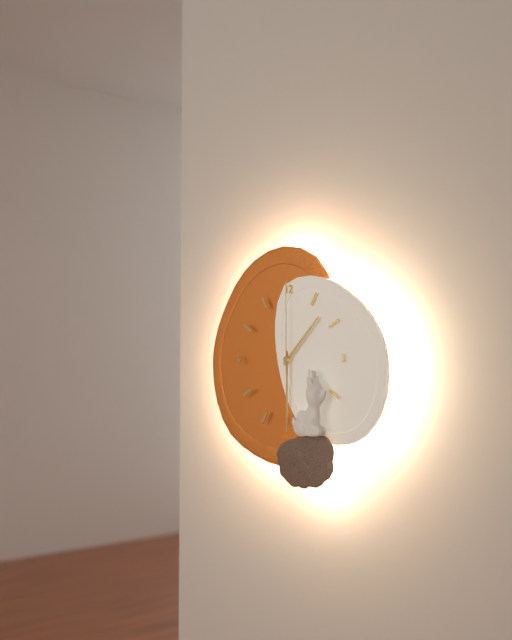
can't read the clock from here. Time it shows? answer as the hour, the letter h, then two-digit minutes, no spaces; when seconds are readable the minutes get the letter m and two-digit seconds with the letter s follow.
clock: 1h30m00s
